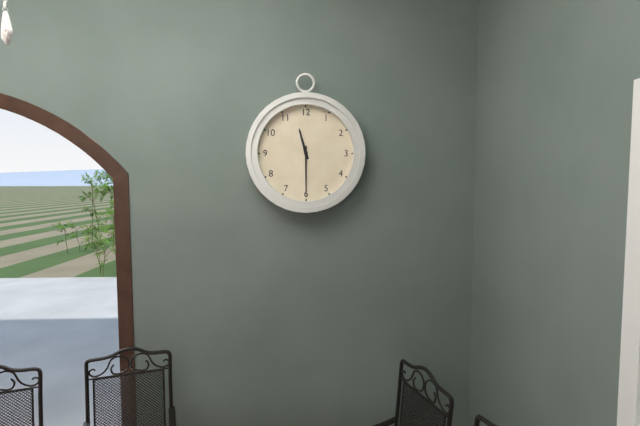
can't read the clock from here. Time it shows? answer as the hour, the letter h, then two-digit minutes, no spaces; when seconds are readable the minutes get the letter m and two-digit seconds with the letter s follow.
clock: 11h30
